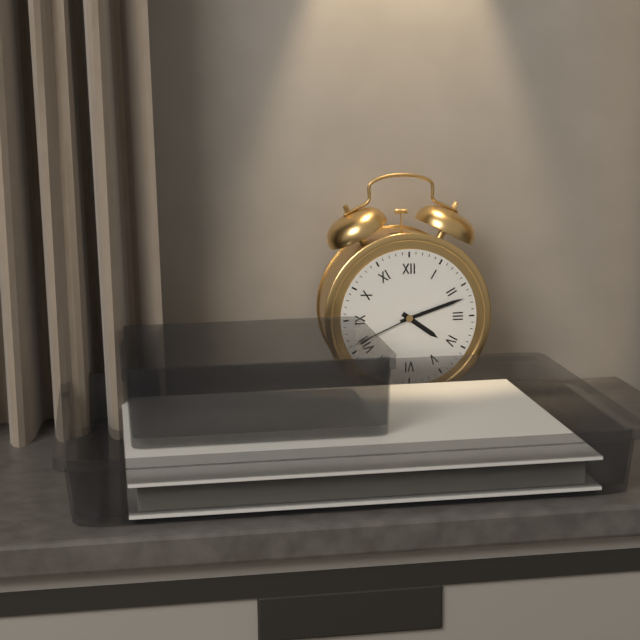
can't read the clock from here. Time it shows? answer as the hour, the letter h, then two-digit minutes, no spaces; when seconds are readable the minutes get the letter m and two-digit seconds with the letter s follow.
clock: 4h12
